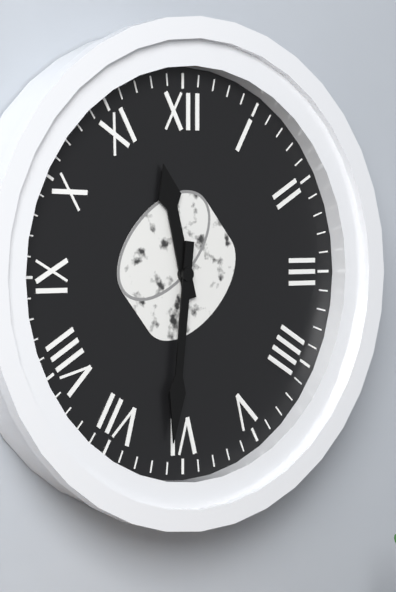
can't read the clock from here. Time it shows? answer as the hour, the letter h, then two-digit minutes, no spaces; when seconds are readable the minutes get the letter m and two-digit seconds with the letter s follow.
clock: 11h31
